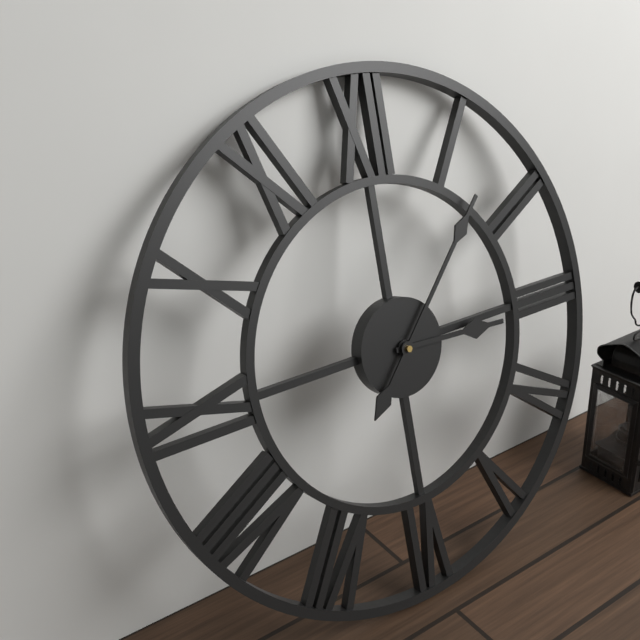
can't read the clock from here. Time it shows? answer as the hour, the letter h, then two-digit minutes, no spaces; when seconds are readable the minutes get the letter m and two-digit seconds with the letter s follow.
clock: 3h07
